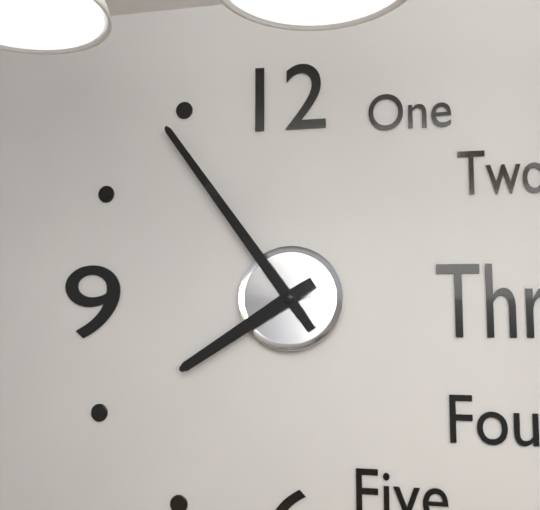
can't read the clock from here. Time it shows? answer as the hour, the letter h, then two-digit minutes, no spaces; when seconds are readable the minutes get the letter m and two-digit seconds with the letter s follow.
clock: 7h54
